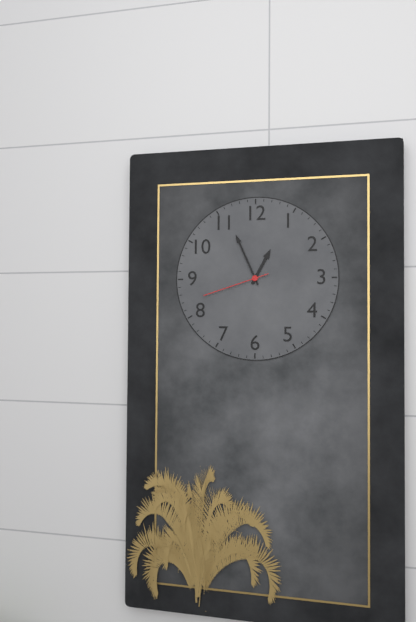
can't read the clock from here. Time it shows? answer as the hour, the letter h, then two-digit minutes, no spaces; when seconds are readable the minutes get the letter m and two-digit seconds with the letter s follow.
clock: 12h56m42s
